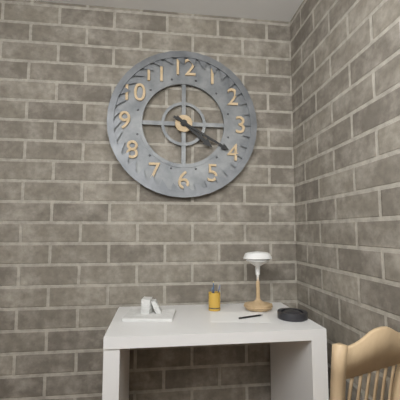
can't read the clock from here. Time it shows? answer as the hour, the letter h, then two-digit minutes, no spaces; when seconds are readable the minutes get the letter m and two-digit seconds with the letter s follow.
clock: 4h20
